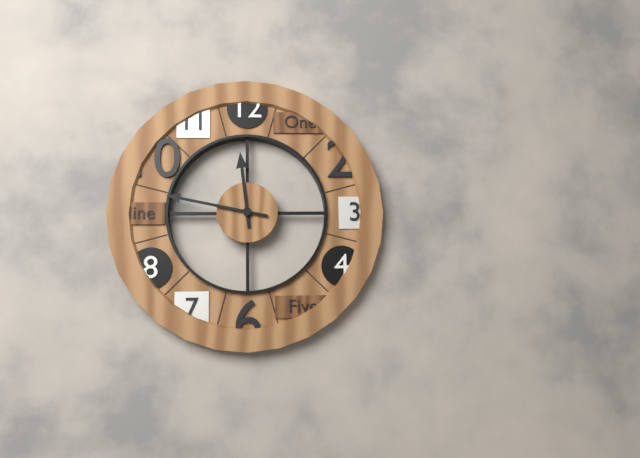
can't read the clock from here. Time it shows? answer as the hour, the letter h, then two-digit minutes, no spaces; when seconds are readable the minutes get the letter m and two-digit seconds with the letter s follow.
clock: 11h47
